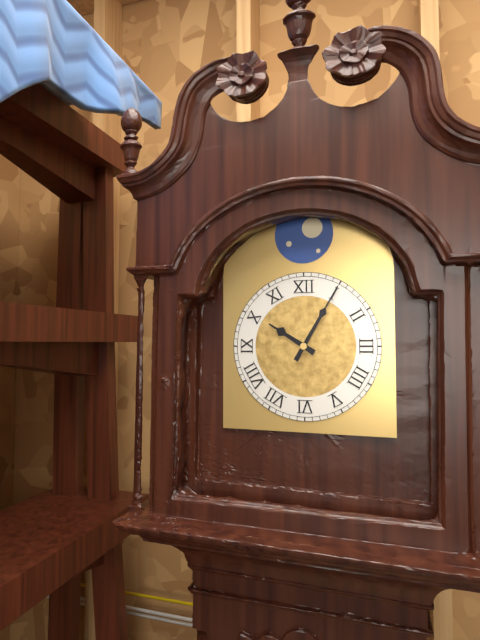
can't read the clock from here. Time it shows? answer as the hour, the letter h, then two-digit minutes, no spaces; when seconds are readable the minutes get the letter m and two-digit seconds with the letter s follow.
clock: 10h05
